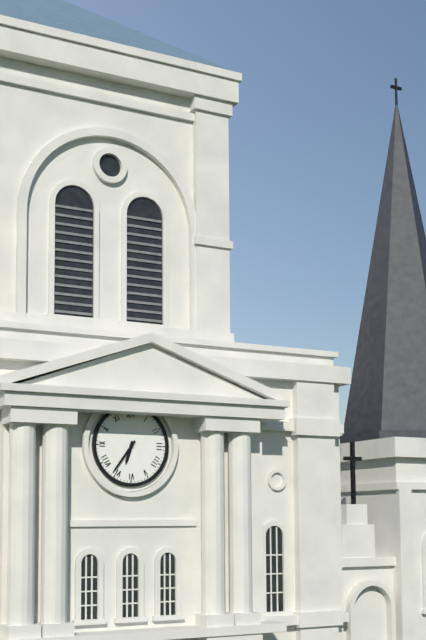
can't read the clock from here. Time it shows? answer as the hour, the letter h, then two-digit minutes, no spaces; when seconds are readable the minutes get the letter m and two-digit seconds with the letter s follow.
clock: 6h36
